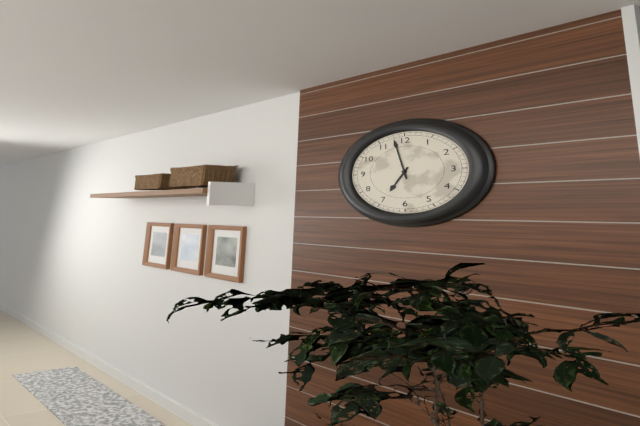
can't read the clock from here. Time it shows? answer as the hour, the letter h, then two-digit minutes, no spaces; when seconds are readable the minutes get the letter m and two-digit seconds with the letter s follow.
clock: 6h58
